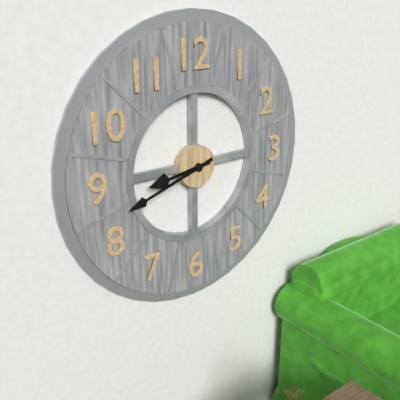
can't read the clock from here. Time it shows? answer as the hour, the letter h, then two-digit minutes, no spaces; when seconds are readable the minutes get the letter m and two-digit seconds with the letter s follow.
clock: 8h42
